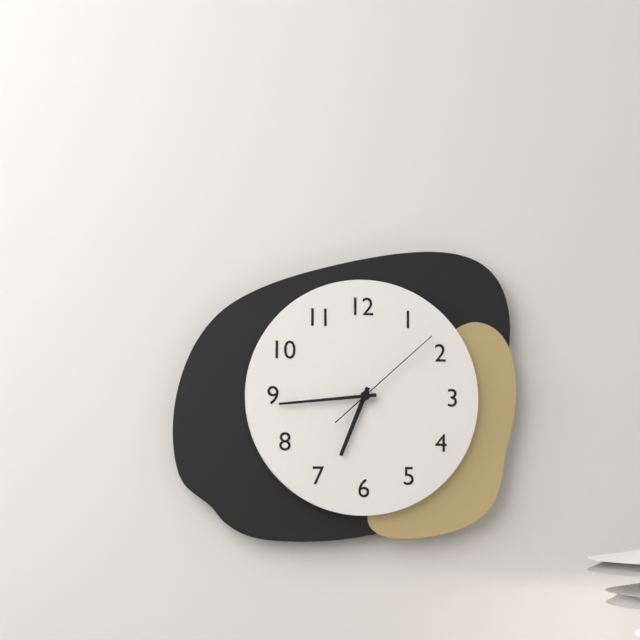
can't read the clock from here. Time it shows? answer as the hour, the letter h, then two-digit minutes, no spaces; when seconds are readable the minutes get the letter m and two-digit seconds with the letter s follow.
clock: 6h44m08s
